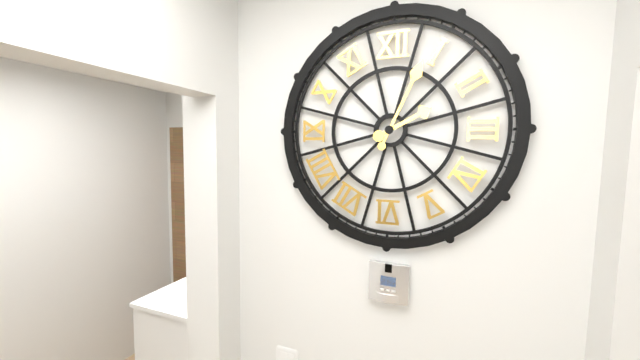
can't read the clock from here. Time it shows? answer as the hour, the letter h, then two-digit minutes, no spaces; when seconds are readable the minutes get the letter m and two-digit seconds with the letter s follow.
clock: 2h04
